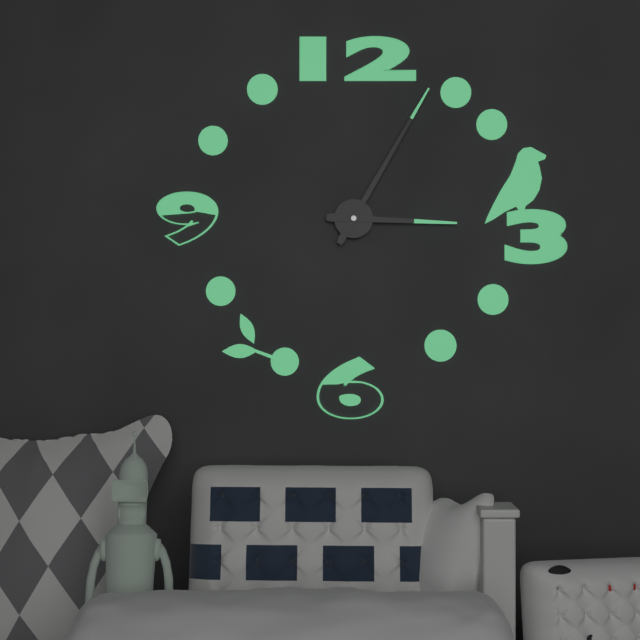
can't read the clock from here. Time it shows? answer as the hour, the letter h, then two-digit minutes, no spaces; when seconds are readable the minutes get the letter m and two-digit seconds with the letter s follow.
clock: 3h05
